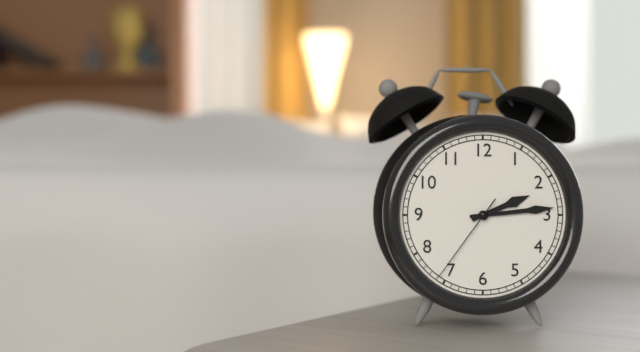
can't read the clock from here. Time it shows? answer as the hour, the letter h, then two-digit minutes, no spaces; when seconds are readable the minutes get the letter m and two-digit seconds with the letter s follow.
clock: 2h14m36s
